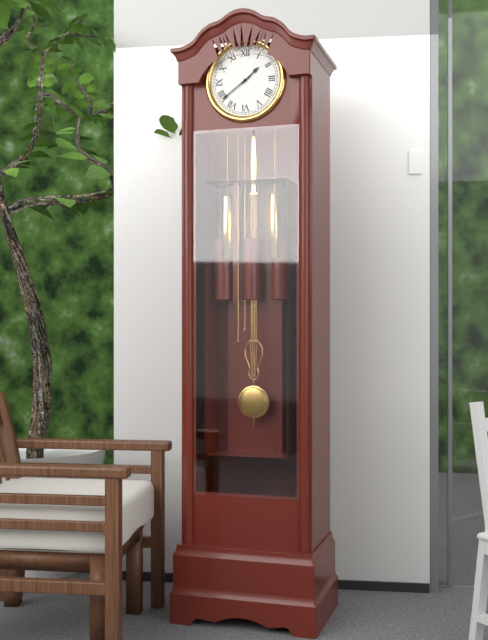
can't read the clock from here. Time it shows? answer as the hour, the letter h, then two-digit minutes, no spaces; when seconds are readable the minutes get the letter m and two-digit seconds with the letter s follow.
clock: 1h39
